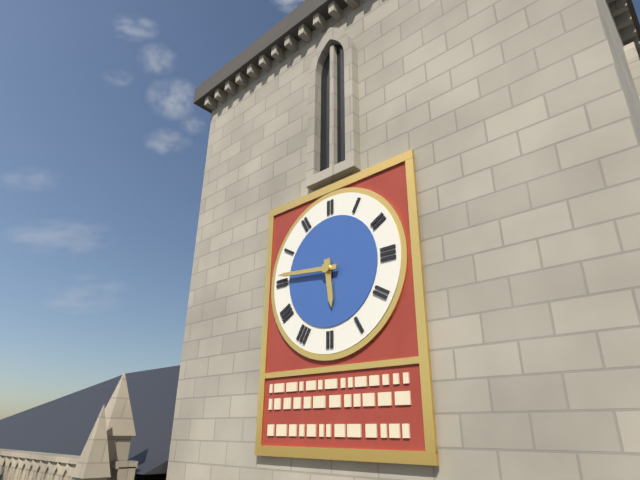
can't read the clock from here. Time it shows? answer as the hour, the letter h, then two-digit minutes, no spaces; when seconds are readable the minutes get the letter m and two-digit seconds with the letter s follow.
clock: 5h46
